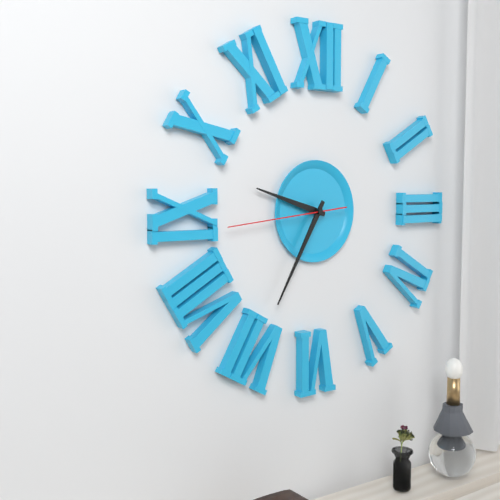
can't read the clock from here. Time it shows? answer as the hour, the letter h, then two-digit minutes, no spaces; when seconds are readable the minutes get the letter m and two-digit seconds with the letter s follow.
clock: 9h35m44s
